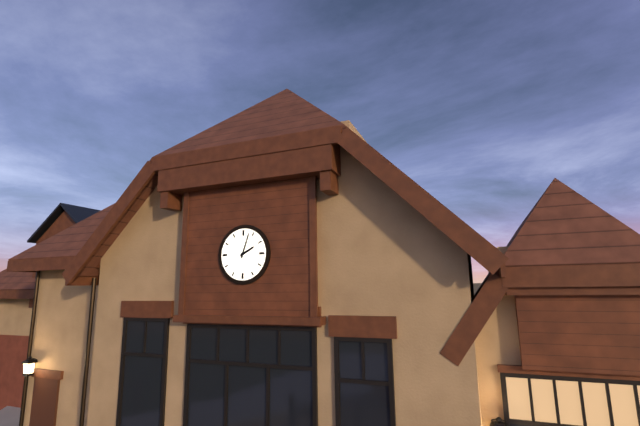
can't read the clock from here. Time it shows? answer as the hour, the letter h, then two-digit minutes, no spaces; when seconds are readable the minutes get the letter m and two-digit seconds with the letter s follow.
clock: 2h03
